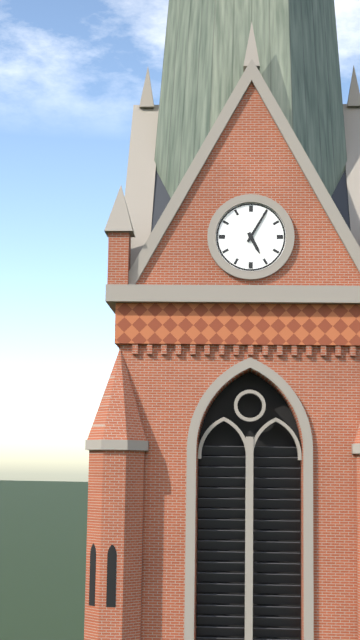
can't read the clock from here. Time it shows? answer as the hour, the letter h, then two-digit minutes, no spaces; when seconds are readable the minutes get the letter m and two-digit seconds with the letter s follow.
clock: 5h05
